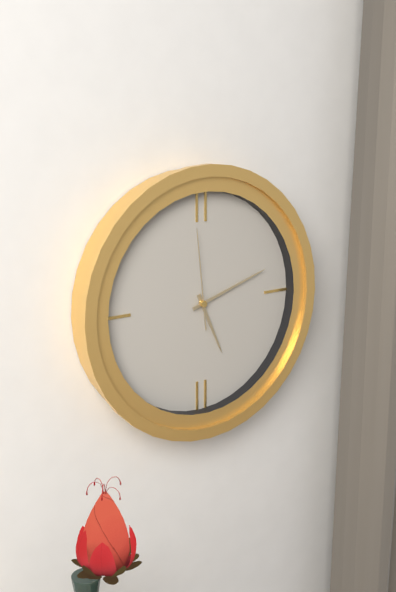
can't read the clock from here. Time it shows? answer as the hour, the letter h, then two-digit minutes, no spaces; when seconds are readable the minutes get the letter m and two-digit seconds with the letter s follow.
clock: 5h12m59s
